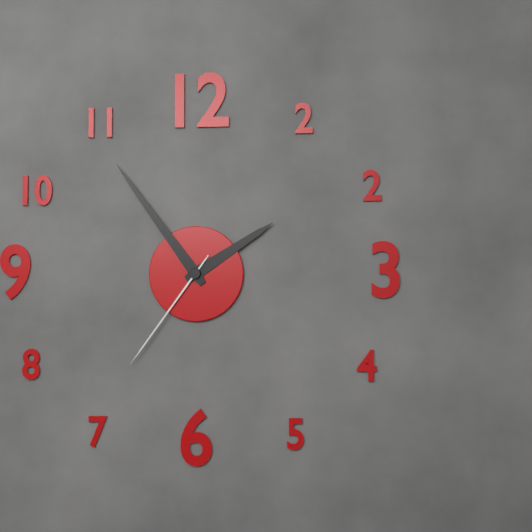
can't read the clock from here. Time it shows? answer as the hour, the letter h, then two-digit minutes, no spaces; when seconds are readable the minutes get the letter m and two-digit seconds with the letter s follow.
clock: 1h54m36s
